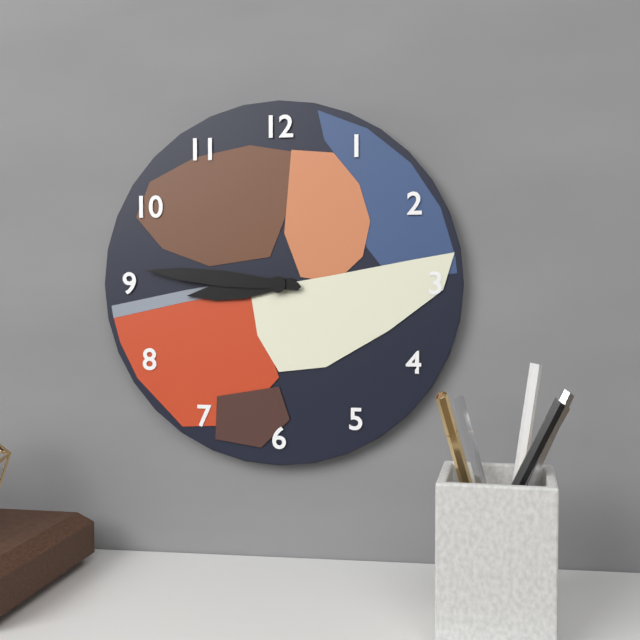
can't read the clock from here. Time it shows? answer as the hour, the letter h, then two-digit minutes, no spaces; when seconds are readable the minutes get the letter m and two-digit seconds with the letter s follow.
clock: 8h46
